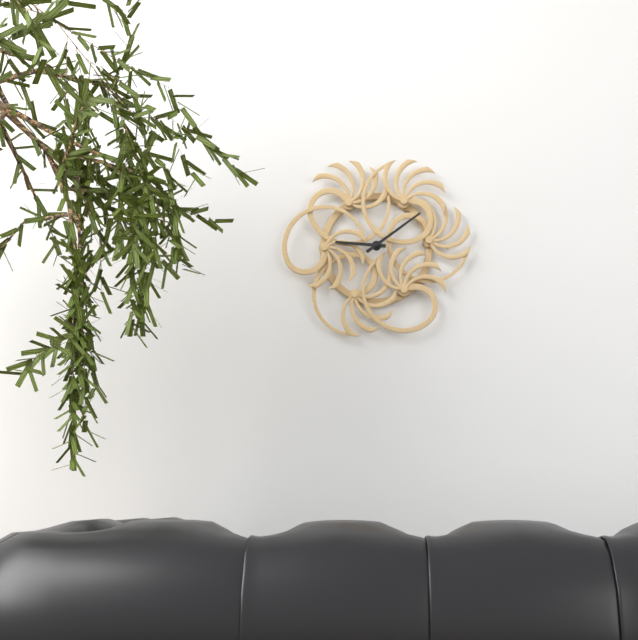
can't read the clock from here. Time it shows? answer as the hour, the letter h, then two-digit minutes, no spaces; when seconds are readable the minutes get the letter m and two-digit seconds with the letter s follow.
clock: 9h09
